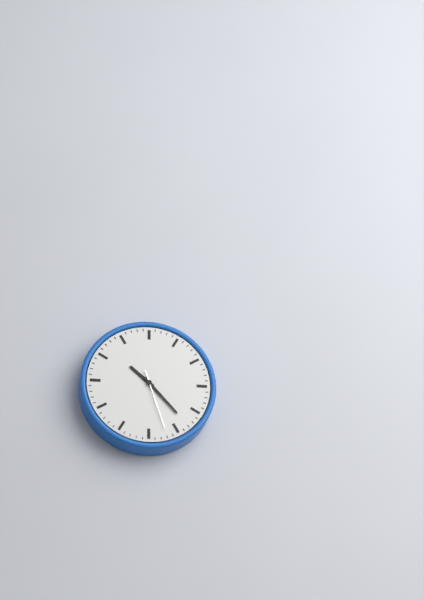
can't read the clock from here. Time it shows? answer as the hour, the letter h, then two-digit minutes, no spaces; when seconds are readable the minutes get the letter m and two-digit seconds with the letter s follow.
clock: 10h23m27s
